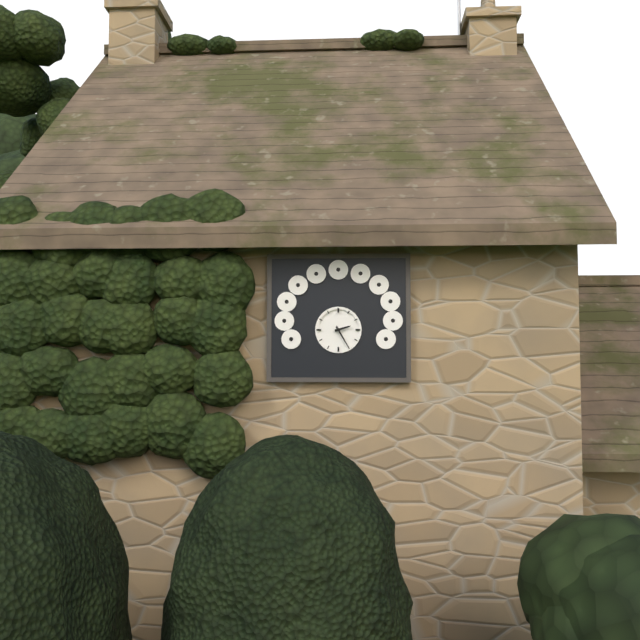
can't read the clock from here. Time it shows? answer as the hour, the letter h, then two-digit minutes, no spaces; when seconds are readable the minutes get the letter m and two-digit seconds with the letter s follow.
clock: 2h25
